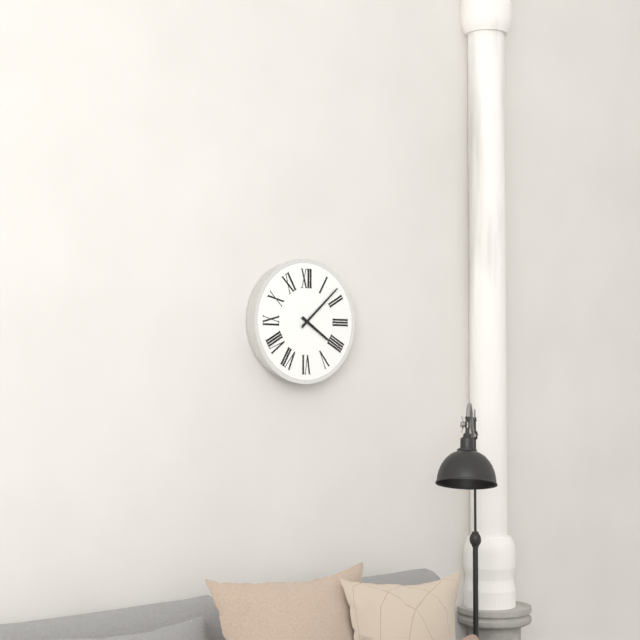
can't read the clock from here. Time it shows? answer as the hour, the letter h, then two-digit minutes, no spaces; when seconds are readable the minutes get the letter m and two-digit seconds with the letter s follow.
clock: 4h08
